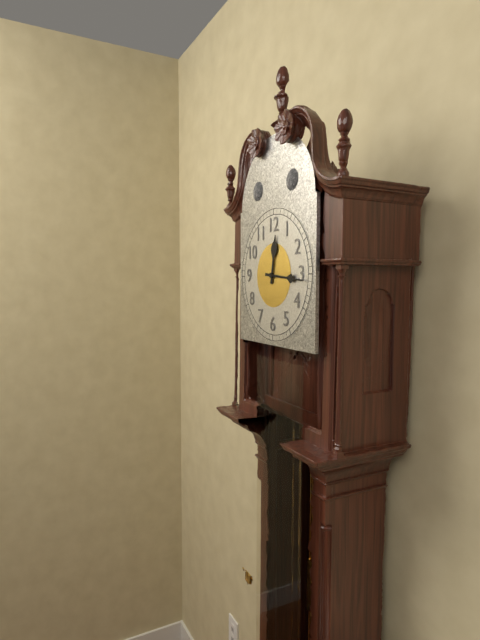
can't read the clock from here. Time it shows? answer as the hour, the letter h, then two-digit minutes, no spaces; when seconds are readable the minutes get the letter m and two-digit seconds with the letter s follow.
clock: 12h16
